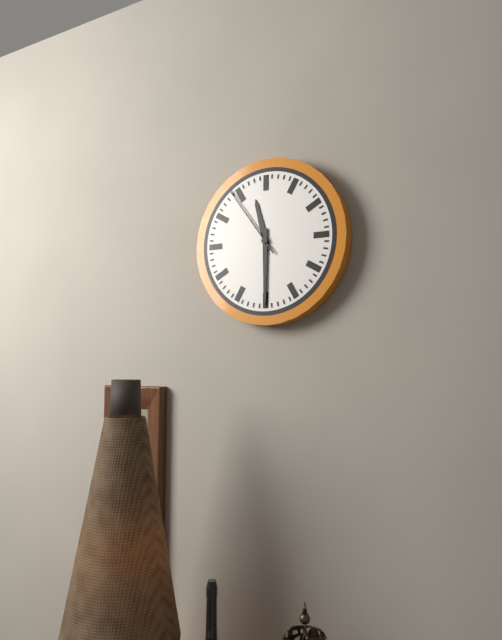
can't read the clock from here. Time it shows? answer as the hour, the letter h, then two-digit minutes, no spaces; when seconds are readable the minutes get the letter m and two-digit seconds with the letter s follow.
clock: 11h30m54s
